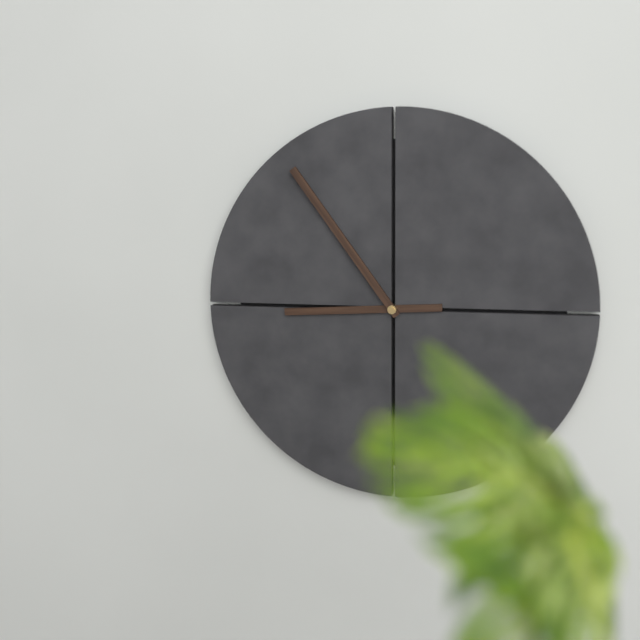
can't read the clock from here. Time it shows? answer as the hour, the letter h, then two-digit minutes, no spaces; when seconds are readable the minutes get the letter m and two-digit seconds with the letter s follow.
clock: 8h54
